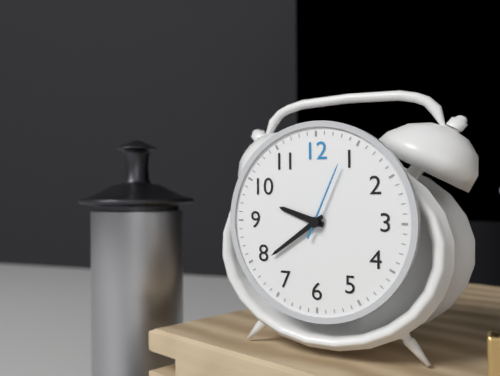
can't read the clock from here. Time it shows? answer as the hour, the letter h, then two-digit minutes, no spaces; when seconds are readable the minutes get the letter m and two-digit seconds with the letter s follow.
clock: 9h39m04s
